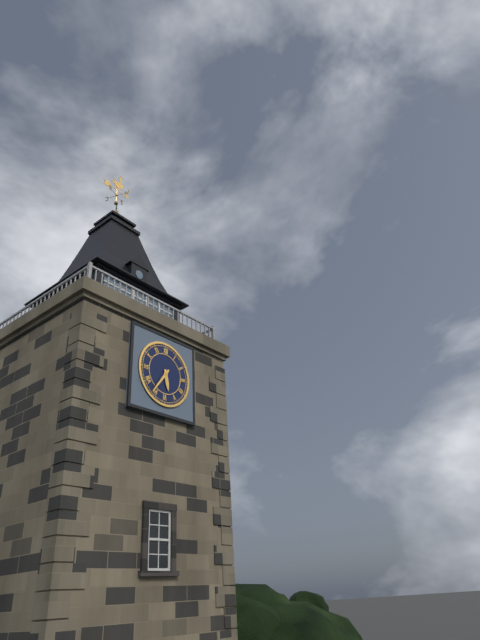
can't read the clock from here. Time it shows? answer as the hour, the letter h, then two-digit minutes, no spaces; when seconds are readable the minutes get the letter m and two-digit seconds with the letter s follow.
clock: 5h36
